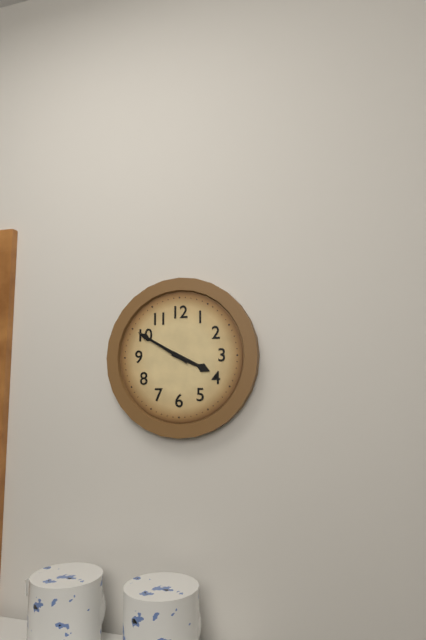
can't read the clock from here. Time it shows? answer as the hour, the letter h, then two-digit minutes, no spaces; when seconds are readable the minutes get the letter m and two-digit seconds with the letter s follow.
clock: 3h50
